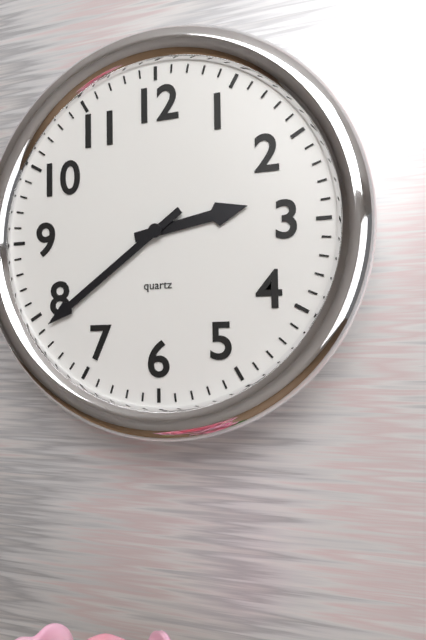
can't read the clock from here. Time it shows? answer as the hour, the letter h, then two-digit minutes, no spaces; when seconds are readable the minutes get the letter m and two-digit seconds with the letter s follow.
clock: 2h39
